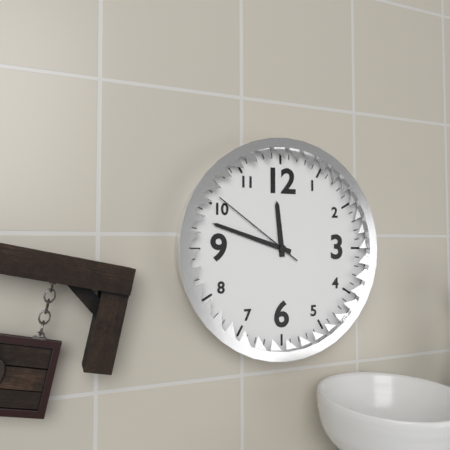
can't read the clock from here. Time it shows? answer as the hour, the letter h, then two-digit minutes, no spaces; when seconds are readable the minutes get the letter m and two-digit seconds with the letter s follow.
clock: 11h48m51s
